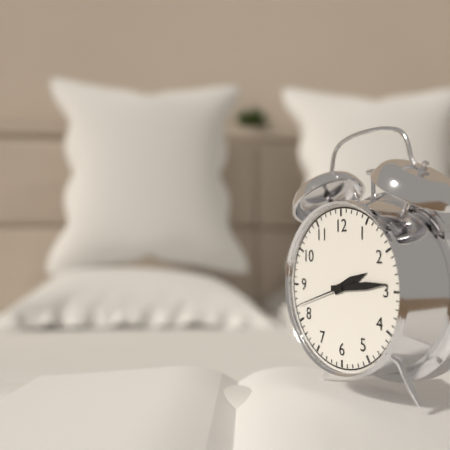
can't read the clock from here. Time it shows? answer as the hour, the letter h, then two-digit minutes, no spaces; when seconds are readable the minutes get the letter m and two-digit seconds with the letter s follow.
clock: 2h14m42s
